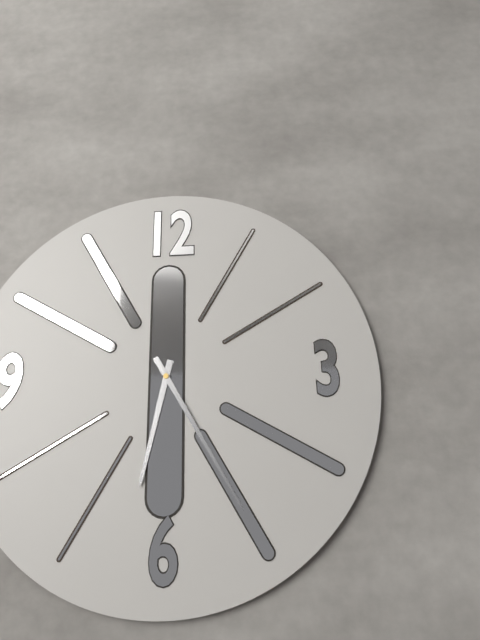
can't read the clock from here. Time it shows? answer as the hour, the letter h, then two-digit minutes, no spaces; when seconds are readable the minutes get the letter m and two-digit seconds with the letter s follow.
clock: 6h25
